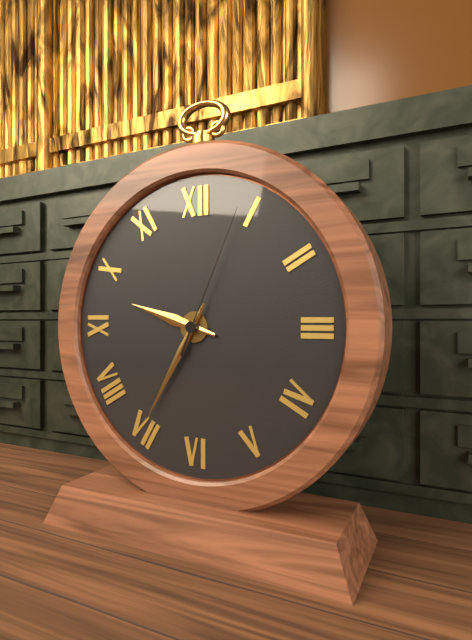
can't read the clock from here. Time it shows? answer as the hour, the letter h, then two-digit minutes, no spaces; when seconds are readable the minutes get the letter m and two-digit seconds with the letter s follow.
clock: 9h35m04s
